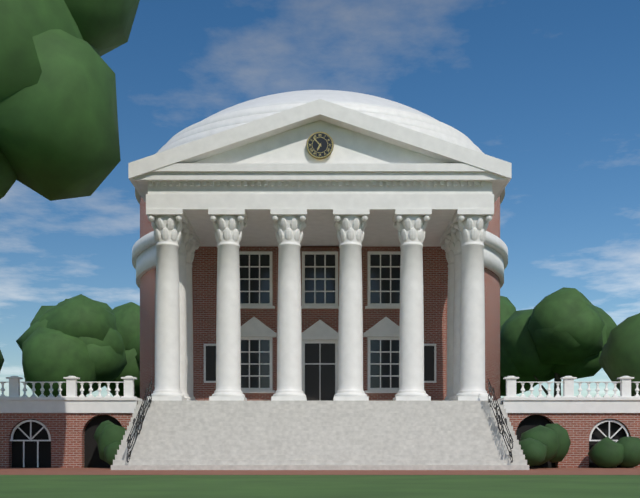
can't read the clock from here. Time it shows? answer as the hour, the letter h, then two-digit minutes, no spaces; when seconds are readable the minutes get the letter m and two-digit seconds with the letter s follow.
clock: 6h53
